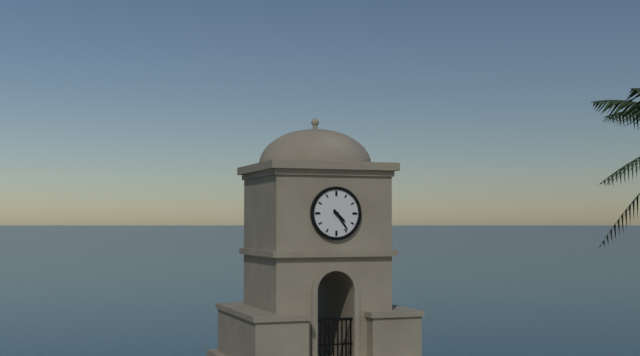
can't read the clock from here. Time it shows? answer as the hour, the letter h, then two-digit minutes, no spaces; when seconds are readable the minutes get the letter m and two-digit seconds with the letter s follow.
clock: 4h24
